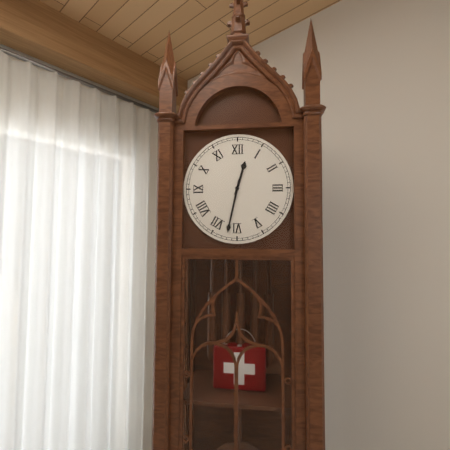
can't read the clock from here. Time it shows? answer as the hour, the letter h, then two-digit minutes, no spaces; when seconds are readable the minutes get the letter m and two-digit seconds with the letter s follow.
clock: 12h32
